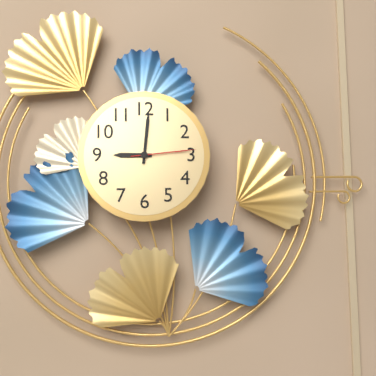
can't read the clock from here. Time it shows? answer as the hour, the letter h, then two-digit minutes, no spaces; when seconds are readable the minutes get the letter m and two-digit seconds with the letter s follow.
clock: 9h01m14s
